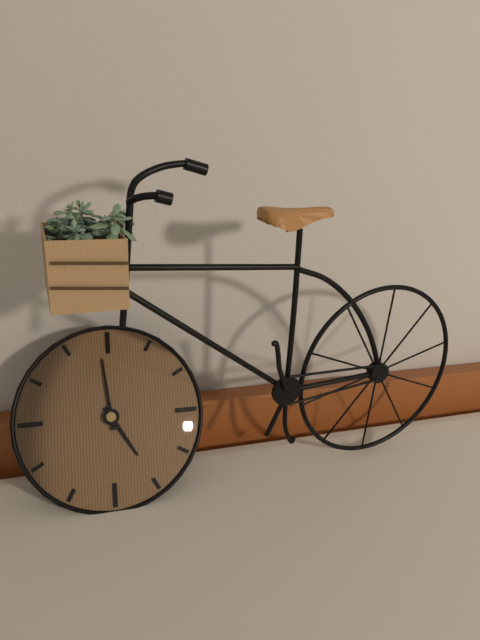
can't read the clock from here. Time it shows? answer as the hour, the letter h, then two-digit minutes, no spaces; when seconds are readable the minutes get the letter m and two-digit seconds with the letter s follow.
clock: 4h59
